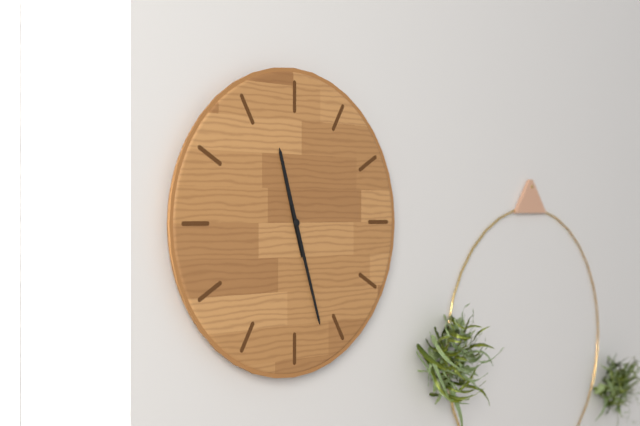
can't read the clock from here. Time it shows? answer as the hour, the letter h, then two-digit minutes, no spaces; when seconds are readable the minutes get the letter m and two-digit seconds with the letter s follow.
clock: 11h27
